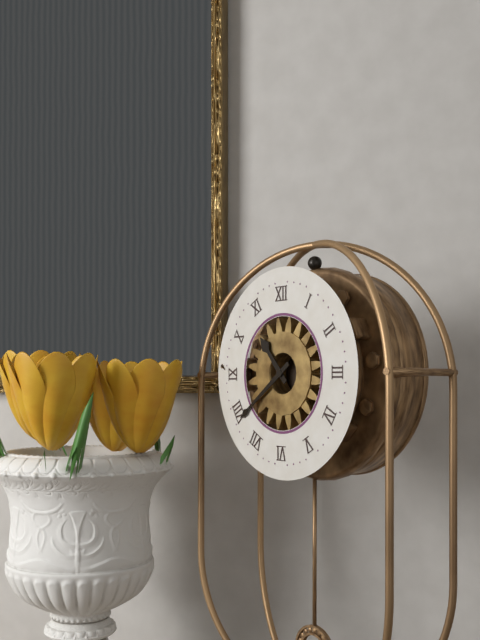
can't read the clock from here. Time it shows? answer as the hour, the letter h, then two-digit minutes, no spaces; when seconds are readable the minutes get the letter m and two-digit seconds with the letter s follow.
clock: 10h39
